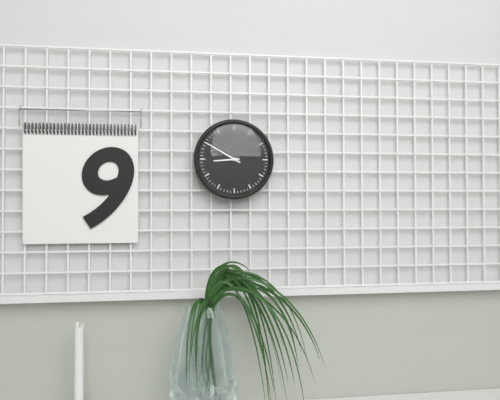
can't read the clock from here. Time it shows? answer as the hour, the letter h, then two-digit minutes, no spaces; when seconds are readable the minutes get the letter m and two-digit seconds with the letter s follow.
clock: 8h50
